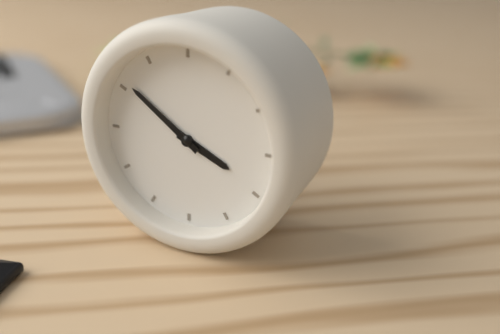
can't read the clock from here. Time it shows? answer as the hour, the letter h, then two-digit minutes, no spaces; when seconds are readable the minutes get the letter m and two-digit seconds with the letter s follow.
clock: 3h51
